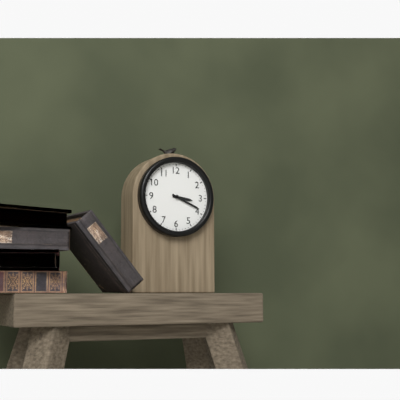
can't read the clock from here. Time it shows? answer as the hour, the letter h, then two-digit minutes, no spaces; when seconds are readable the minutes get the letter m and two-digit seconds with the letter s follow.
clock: 3h19
